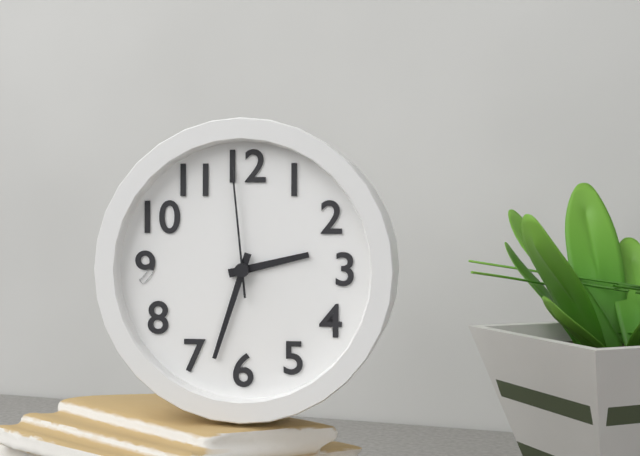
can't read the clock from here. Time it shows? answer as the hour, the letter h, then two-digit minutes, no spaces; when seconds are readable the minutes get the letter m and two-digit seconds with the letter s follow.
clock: 2h33m59s
